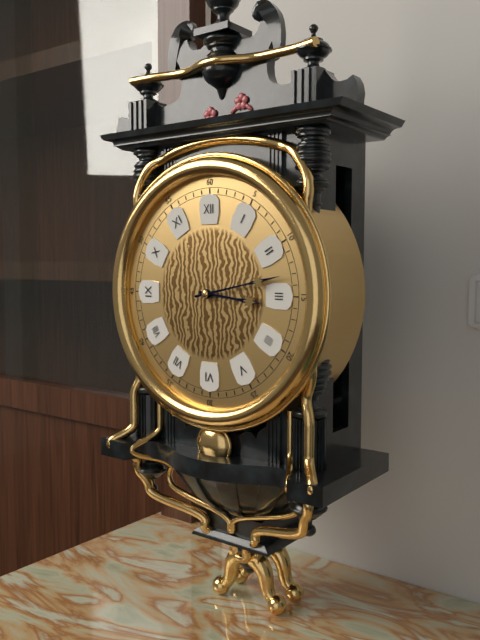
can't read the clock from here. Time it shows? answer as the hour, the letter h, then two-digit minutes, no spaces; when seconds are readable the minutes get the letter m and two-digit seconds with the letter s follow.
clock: 3h13
